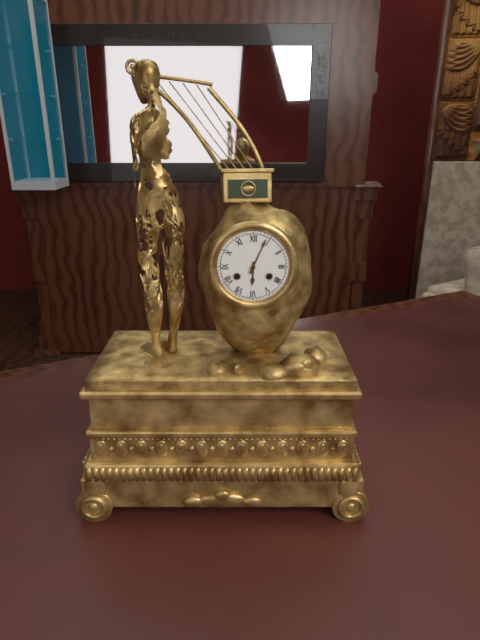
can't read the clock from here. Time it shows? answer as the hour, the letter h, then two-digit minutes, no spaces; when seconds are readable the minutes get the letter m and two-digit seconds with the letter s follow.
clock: 6h04
